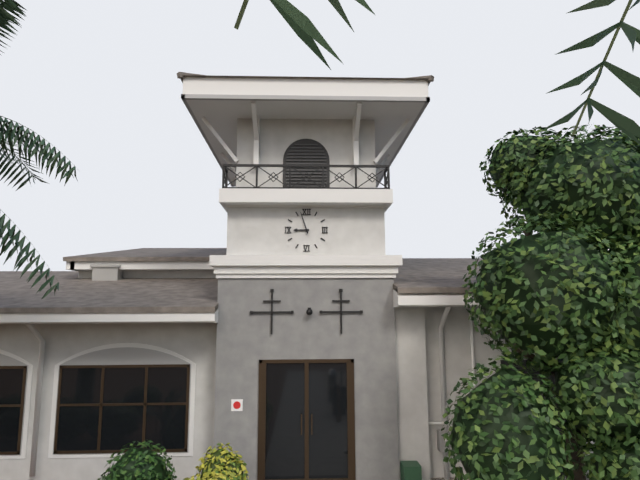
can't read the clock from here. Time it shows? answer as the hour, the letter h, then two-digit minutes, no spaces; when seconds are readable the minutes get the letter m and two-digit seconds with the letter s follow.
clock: 8h57
